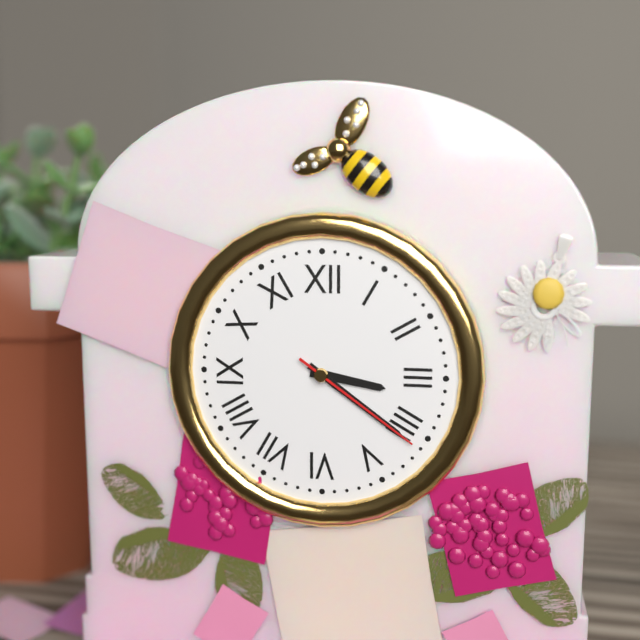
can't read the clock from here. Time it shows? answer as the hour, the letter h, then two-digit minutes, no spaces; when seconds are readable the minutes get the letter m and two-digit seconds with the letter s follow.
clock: 3h21m21s
